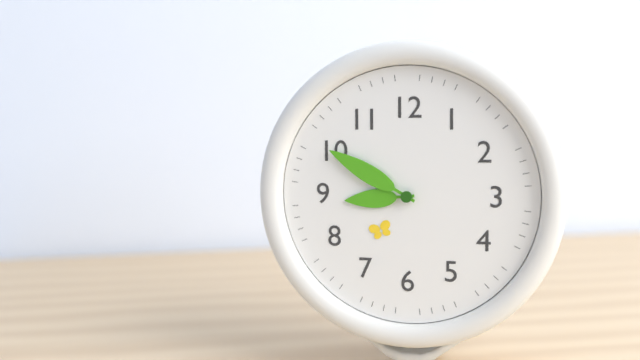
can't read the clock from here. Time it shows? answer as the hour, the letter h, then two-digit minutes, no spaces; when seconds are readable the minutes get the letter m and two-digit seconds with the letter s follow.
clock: 8h50
